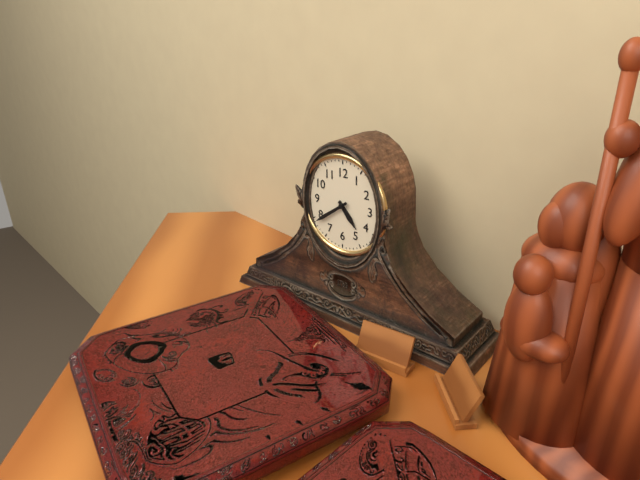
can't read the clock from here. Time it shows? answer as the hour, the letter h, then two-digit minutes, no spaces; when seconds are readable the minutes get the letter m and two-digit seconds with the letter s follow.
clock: 4h39
